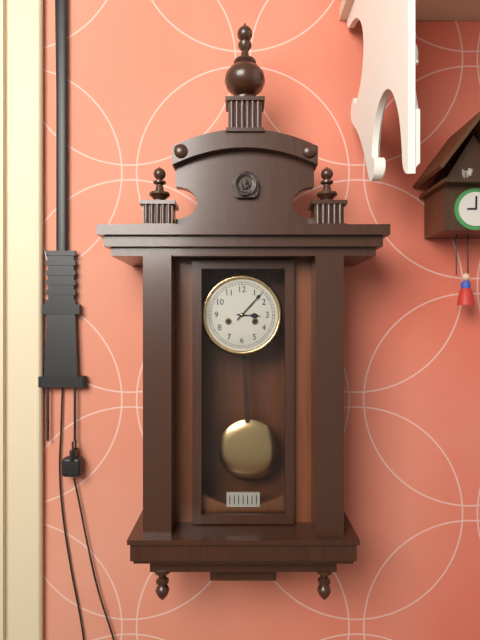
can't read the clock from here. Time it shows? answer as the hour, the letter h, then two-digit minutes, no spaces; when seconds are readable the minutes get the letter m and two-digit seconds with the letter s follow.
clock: 3h07
